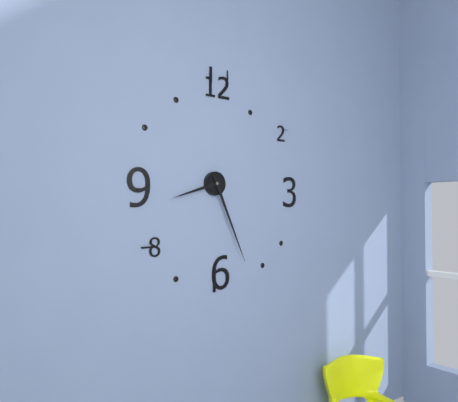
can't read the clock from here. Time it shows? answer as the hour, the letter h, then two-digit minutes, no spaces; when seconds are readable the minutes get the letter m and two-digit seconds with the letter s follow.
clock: 8h26
